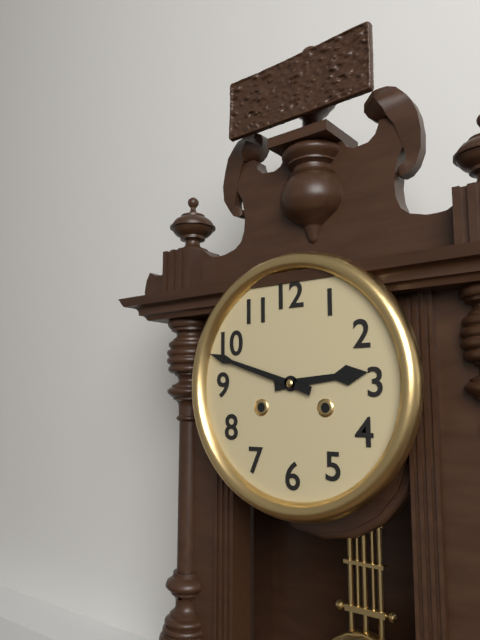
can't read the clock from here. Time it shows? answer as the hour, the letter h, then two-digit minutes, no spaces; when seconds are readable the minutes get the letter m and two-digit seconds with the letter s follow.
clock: 2h48
